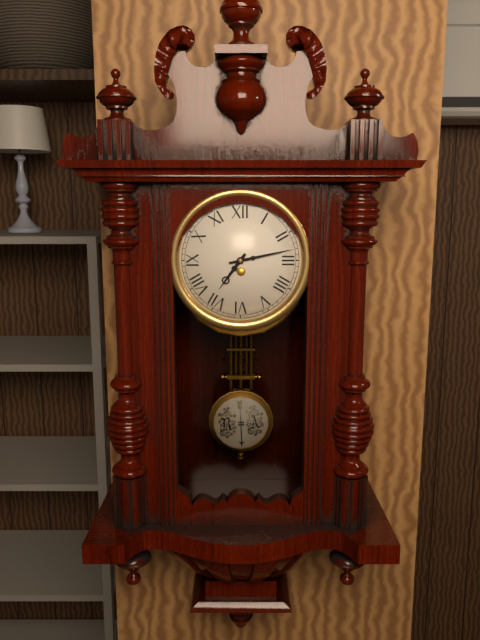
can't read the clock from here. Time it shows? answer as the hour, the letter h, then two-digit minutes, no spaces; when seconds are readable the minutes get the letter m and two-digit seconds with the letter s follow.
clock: 7h13
